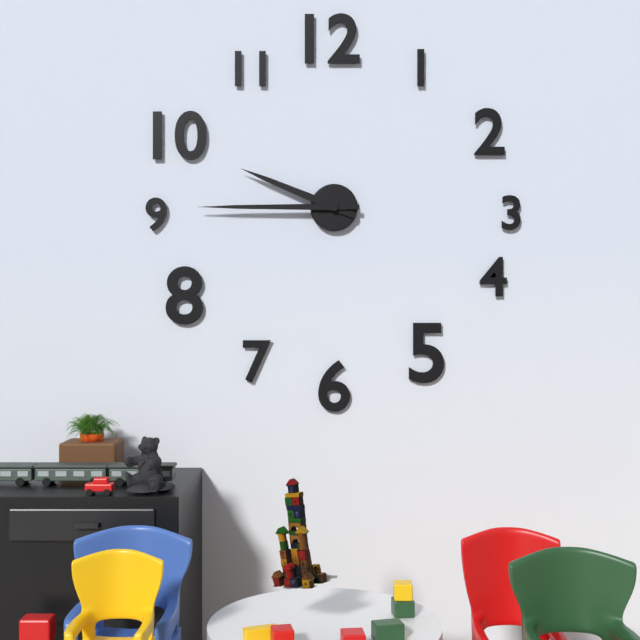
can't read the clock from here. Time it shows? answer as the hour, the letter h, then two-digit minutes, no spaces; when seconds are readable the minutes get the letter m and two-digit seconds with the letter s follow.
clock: 9h45
